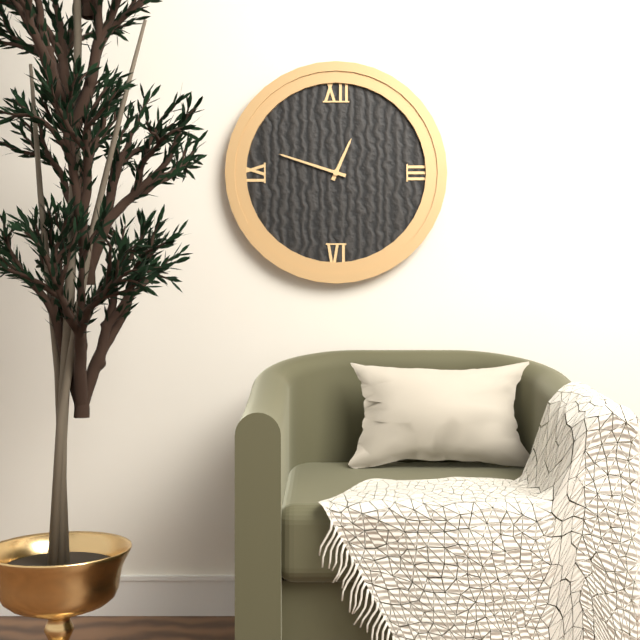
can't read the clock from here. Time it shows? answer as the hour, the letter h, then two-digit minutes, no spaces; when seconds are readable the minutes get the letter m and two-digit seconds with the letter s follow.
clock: 12h48
